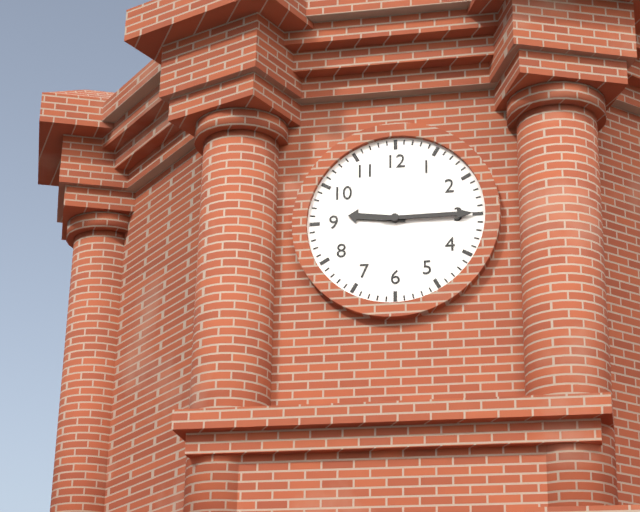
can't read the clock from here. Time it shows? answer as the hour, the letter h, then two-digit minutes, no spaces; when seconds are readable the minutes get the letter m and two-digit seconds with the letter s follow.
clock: 9h15
